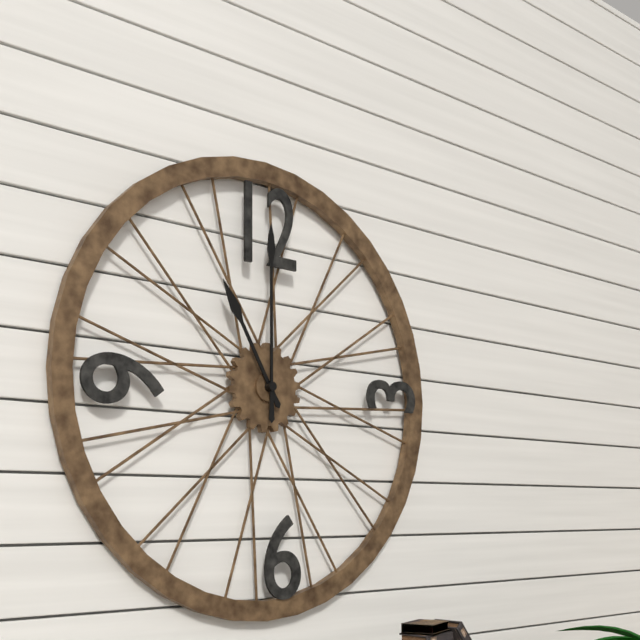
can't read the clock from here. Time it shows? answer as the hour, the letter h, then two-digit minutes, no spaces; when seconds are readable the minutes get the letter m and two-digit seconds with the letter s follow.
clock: 11h00
